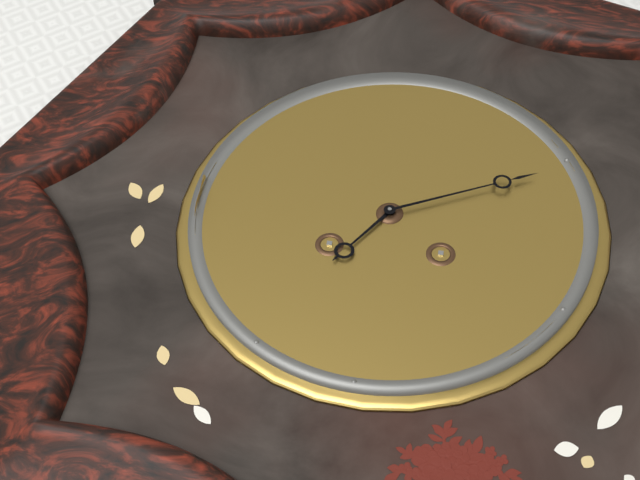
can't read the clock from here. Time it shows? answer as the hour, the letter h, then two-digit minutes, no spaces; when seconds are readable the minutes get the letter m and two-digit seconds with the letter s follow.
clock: 7h11
